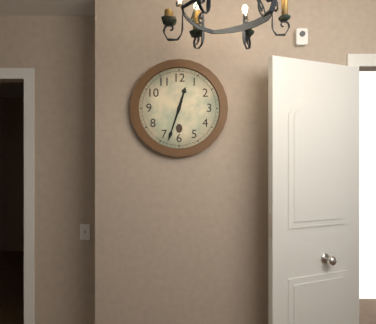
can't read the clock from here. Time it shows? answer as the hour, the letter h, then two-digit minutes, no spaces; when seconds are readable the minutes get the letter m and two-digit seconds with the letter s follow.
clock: 12h33
